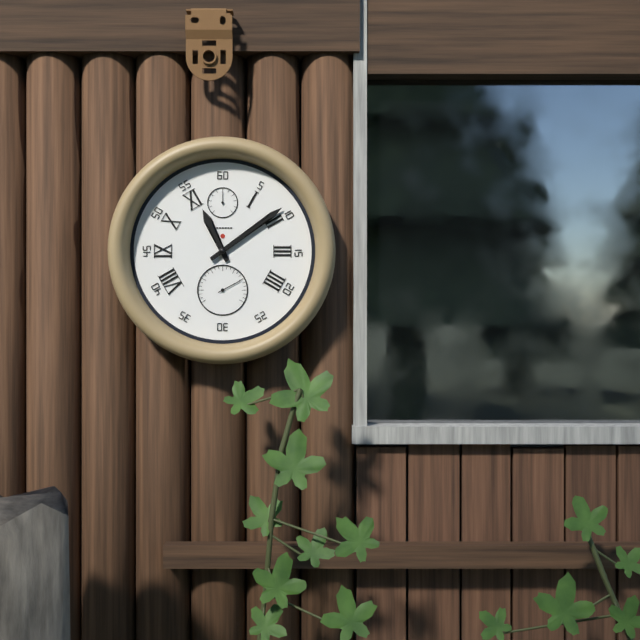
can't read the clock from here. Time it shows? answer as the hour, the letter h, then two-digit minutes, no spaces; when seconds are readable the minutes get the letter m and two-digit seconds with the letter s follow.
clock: 11h09
